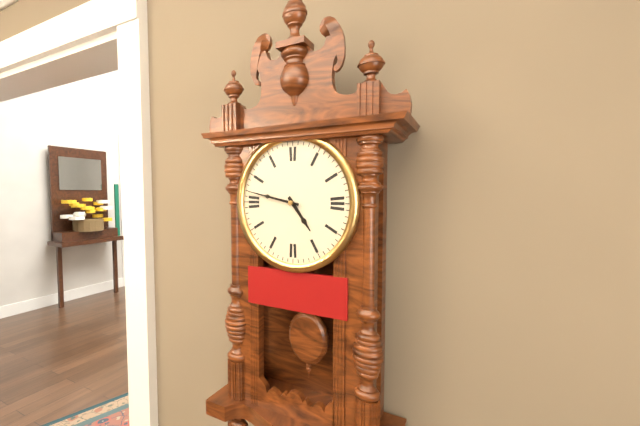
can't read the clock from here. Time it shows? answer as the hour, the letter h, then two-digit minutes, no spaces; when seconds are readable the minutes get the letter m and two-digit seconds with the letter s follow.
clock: 4h47
